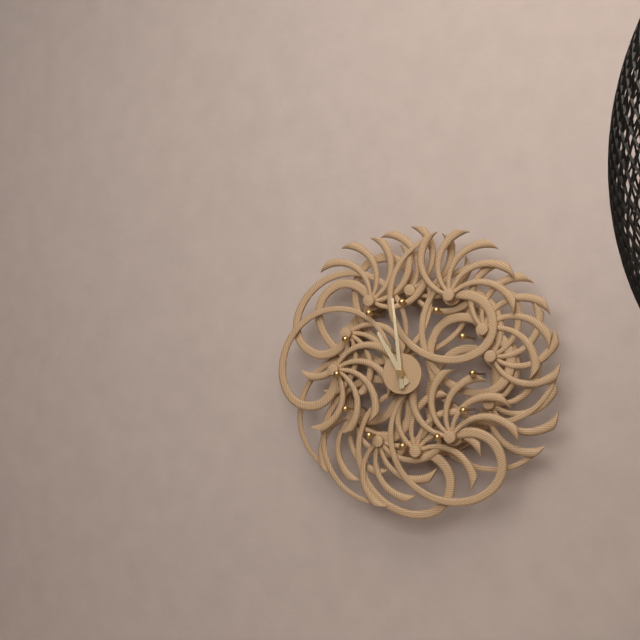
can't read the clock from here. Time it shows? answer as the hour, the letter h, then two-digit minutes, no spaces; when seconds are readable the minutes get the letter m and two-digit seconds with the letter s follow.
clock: 10h59
